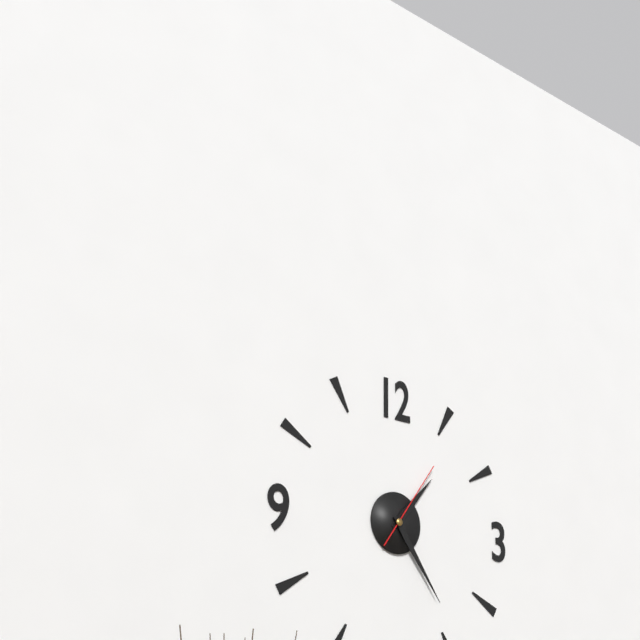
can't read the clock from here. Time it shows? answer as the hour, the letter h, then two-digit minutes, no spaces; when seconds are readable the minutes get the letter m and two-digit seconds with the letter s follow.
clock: 1h24m06s
